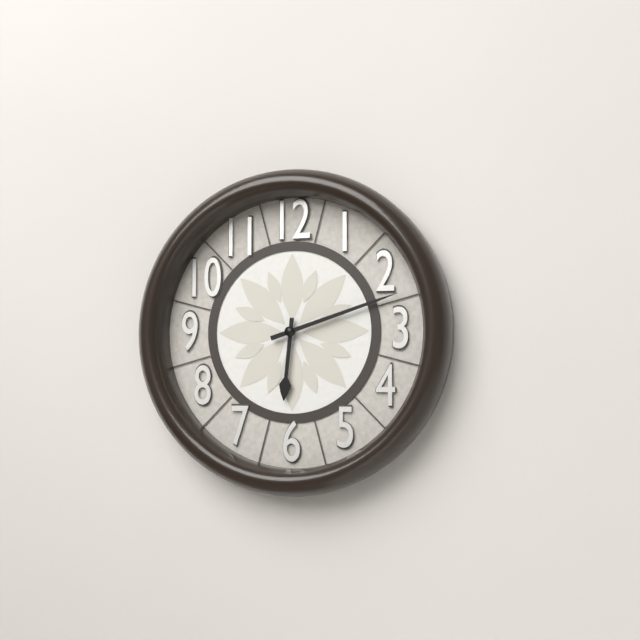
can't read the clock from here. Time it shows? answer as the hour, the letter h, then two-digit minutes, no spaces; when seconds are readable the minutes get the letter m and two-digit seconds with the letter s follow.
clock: 6h12
